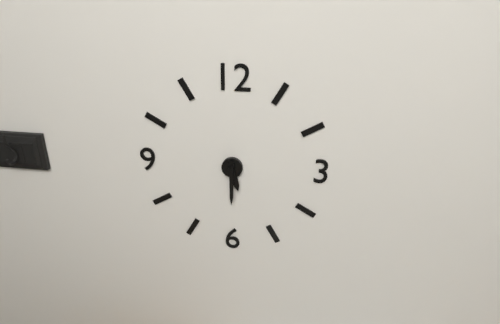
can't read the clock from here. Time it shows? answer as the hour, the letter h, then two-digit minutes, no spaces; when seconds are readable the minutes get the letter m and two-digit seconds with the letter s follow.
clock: 5h30
